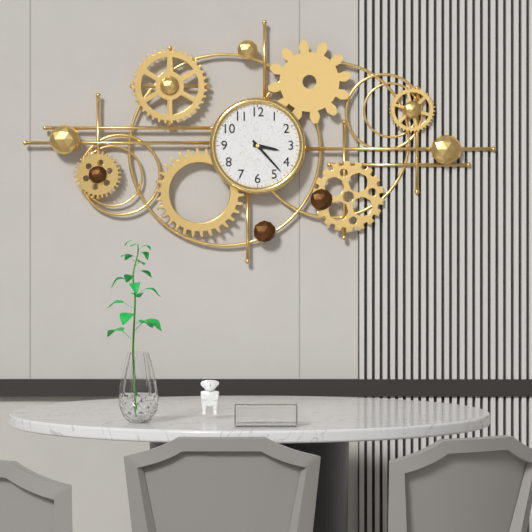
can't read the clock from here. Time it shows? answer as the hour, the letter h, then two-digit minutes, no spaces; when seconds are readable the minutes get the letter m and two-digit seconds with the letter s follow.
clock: 3h23
